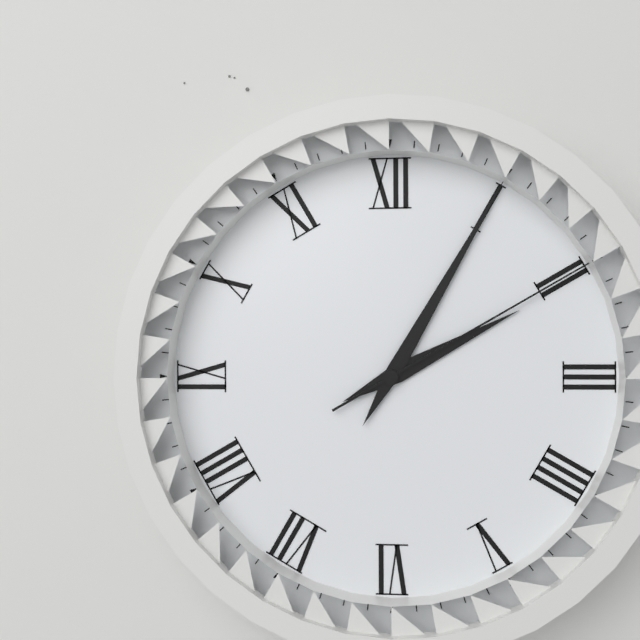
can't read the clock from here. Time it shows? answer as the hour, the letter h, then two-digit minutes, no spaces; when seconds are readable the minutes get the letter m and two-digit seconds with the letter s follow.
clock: 2h05m10s
